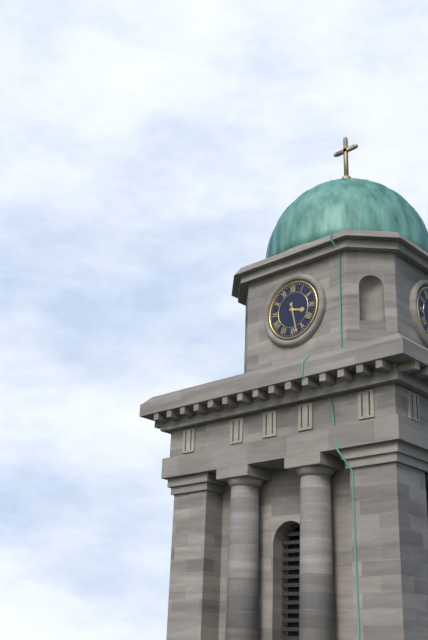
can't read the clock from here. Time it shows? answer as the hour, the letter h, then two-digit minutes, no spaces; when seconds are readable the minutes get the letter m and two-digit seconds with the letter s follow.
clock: 3h28
